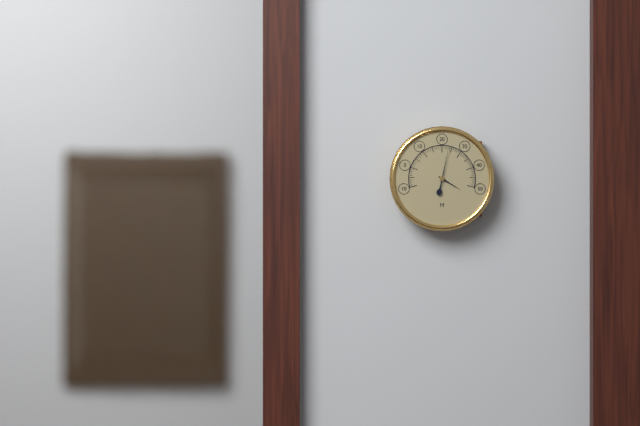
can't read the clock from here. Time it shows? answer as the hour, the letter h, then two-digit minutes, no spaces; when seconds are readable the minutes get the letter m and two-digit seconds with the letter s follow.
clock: 4h02
